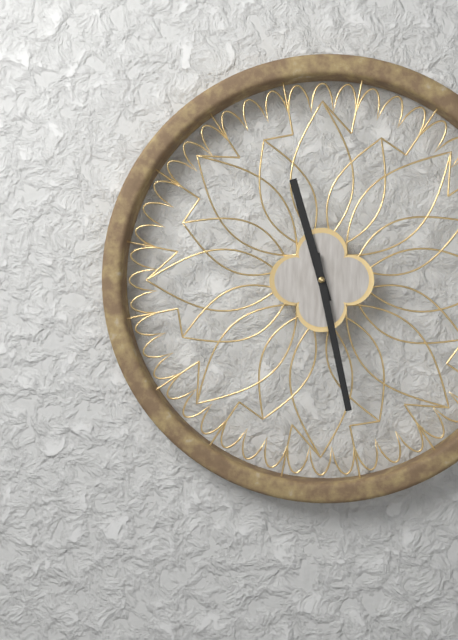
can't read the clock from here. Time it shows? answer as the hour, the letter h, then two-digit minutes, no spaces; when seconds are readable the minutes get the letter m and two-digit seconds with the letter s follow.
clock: 11h28
